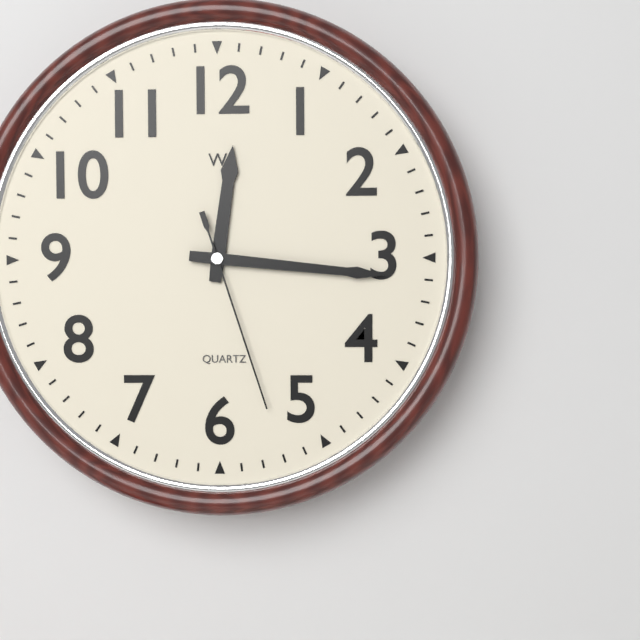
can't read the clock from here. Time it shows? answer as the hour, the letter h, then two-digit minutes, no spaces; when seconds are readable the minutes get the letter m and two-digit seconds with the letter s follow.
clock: 12h16m27s
